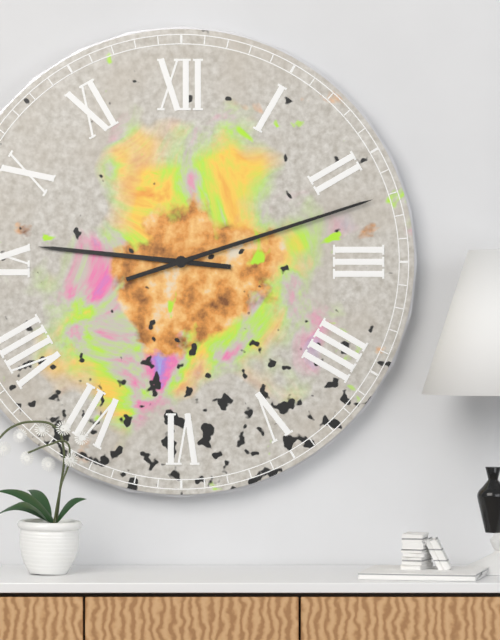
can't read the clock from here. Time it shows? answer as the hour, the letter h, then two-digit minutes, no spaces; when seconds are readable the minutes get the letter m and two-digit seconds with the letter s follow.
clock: 9h12
